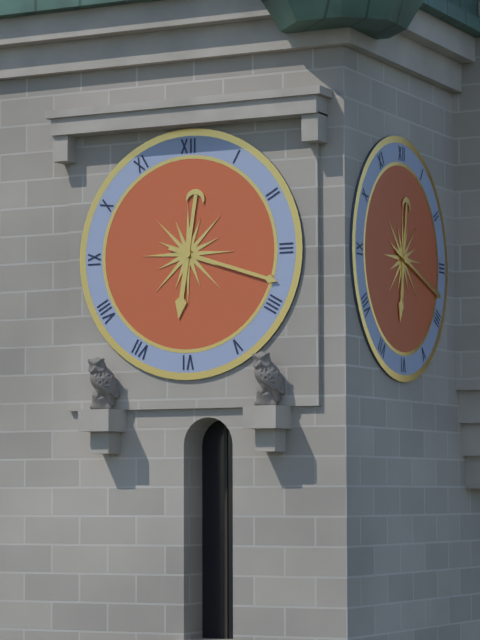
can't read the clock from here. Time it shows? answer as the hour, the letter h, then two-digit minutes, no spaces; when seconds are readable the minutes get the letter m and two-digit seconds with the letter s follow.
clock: 6h18
